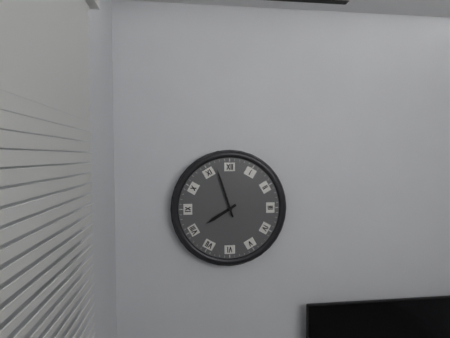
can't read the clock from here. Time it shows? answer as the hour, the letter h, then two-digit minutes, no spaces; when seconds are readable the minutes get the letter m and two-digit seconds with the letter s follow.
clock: 7h57
